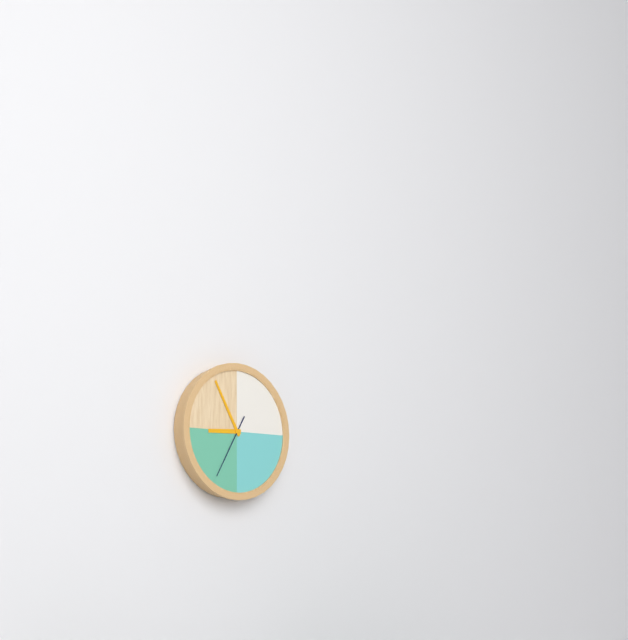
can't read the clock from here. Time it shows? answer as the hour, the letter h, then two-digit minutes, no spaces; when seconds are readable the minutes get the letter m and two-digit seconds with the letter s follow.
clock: 8h55m35s
